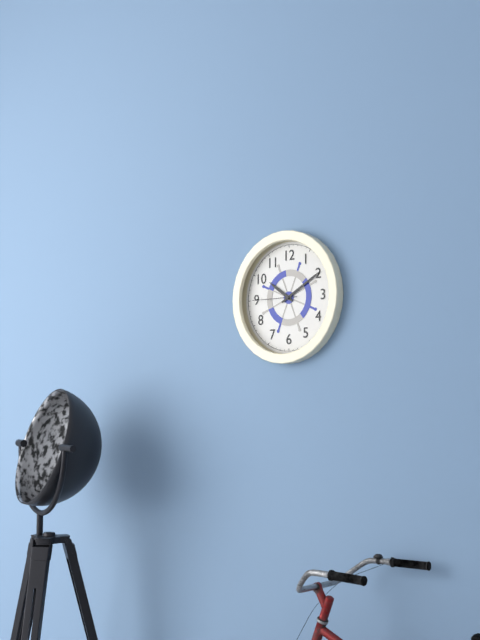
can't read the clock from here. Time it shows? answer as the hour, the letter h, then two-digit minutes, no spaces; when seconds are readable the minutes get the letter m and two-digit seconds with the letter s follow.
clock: 10h10
